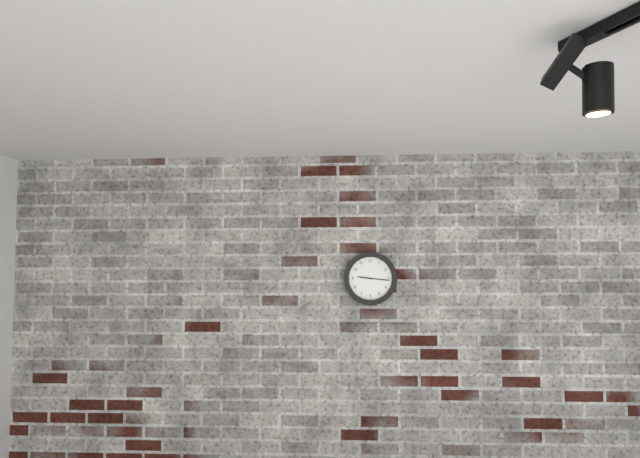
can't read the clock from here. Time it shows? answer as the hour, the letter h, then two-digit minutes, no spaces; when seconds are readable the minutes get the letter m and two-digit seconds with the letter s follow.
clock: 9h16
